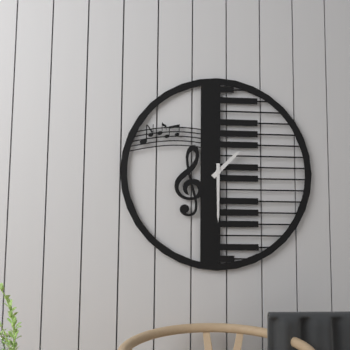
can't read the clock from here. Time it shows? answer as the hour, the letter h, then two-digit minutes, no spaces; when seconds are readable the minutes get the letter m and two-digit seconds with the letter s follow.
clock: 1h30
